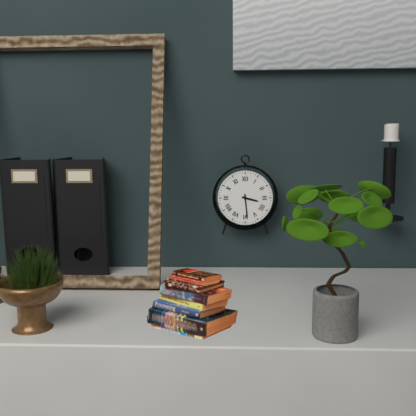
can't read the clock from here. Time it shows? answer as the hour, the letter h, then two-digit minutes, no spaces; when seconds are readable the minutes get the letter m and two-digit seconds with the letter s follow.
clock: 3h29
